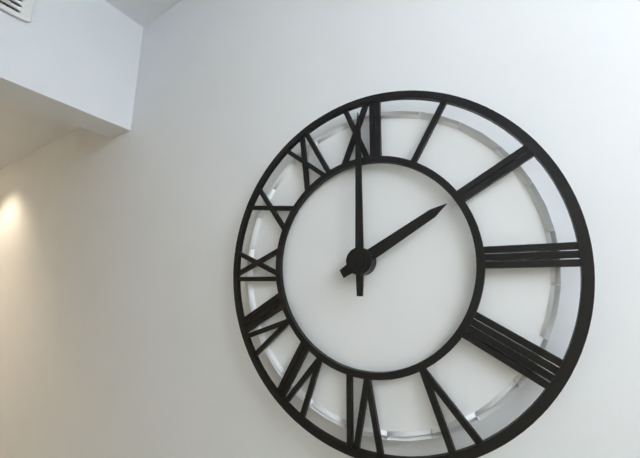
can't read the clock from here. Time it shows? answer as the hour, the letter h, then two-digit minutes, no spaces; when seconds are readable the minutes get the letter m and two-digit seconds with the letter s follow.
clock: 2h00
